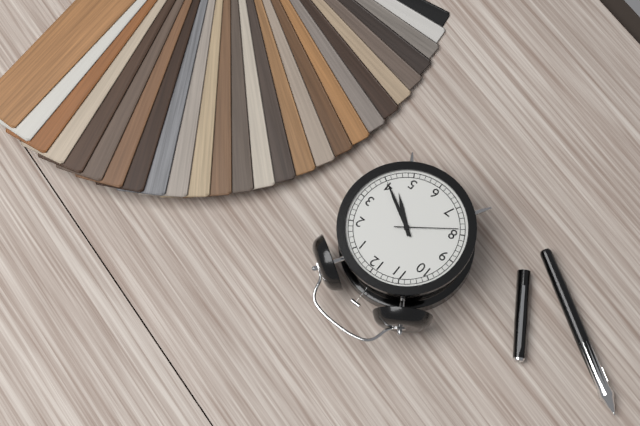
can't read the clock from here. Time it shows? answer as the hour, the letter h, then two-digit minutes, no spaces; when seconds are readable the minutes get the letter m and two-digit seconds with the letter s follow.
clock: 4h20m39s
